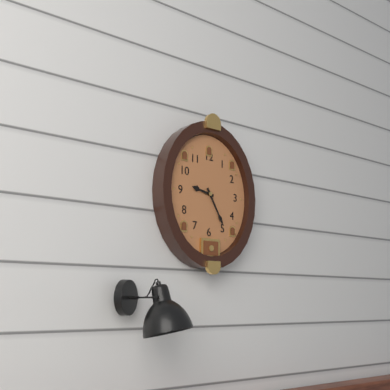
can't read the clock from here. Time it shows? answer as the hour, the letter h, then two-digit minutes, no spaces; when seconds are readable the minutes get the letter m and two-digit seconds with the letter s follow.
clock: 9h25
